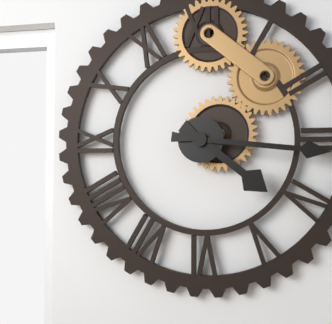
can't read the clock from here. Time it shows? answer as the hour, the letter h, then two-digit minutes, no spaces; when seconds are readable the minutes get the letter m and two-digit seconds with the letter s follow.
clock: 4h16
